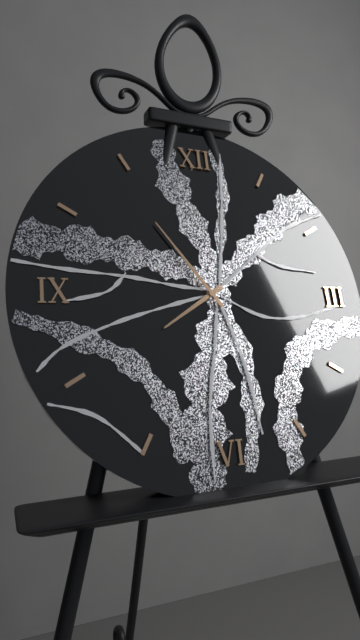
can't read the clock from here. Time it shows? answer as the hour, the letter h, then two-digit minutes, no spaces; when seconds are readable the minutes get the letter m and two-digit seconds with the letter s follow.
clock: 7h54
